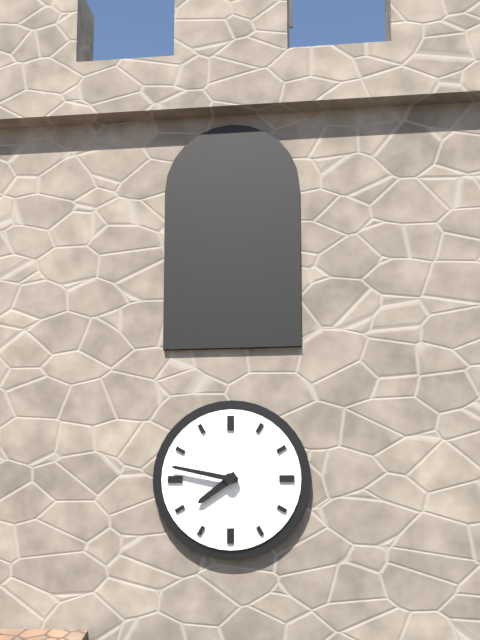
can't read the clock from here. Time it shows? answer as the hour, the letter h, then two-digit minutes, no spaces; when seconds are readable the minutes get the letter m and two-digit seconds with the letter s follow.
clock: 7h47
